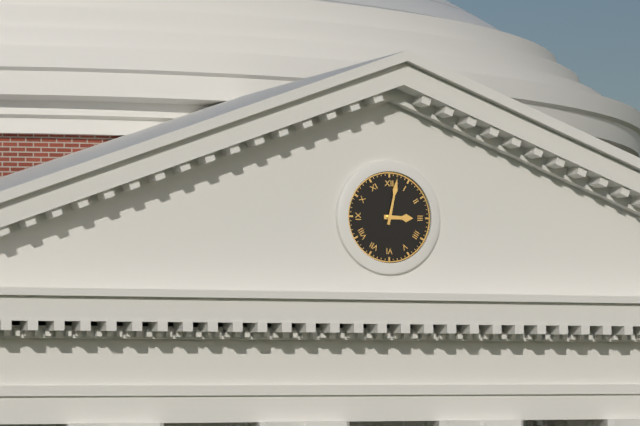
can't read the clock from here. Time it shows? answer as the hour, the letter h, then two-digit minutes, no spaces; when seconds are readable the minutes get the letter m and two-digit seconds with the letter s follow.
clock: 3h02
